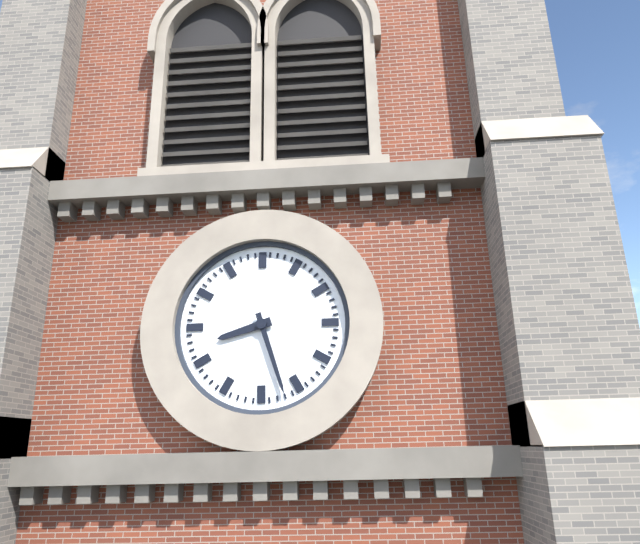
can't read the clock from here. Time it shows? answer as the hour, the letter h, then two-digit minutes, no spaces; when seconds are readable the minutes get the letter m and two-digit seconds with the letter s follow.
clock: 8h27
